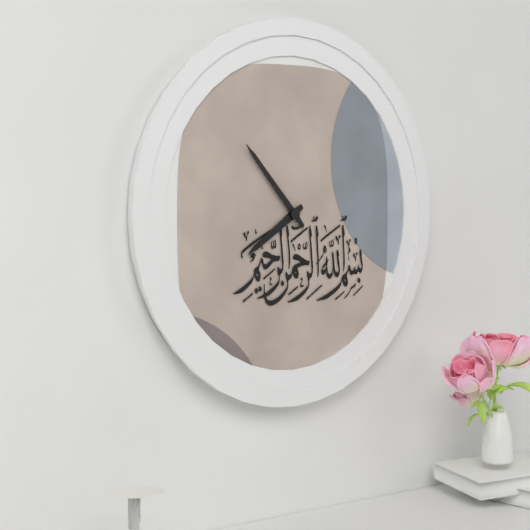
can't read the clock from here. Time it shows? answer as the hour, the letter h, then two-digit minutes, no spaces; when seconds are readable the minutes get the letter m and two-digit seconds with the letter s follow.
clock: 7h53
